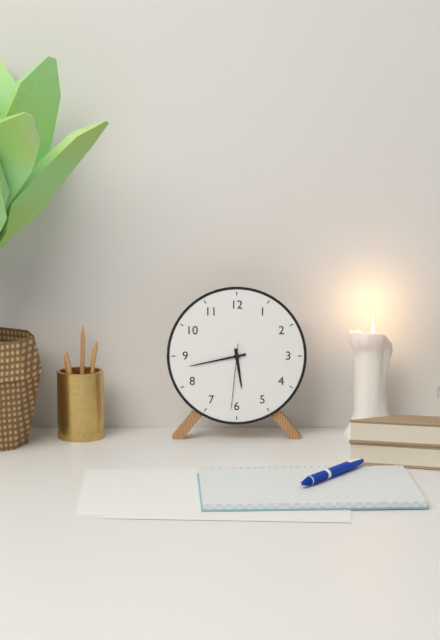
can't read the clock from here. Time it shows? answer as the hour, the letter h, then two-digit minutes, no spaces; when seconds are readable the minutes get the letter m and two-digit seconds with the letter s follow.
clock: 5h43m31s
